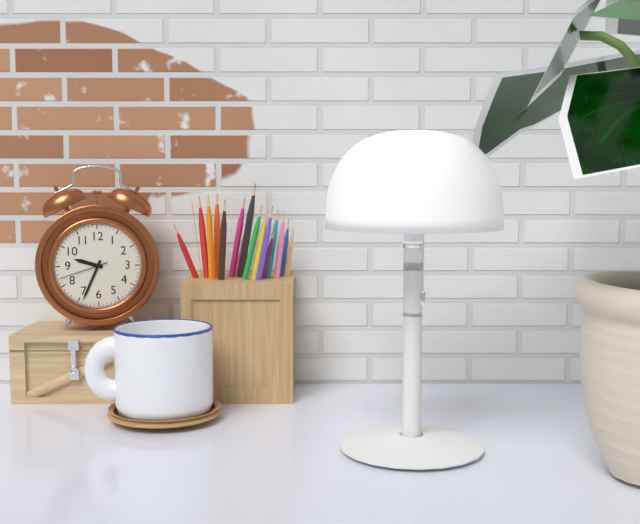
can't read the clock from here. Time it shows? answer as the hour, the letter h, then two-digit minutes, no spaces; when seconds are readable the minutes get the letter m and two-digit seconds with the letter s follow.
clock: 9h34m42s
